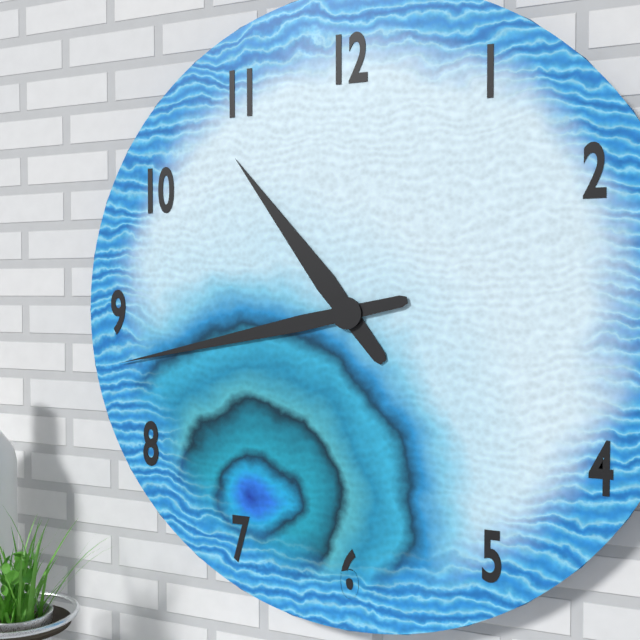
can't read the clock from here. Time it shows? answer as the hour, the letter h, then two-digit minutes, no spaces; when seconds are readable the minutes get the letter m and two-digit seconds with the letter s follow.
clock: 10h43
